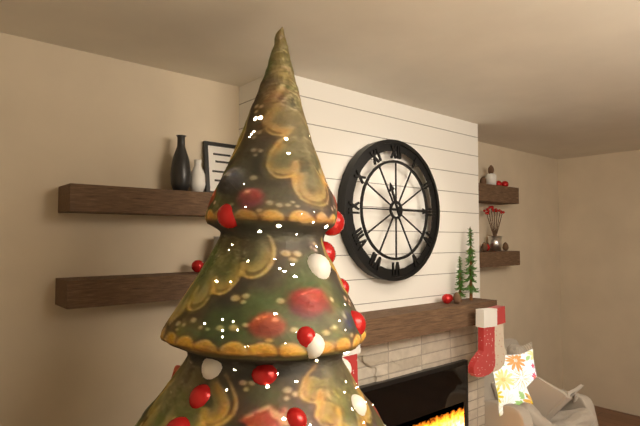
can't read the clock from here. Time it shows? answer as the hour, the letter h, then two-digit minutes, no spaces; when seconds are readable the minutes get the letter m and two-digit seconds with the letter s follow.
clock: 11h15
